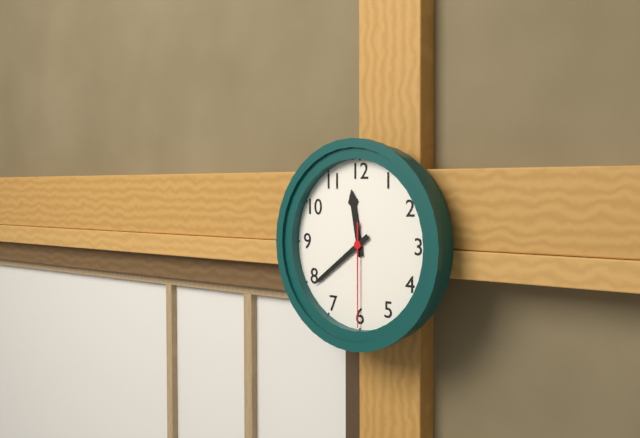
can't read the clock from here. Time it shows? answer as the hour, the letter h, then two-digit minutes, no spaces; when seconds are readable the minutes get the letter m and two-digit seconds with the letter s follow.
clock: 11h39m30s
